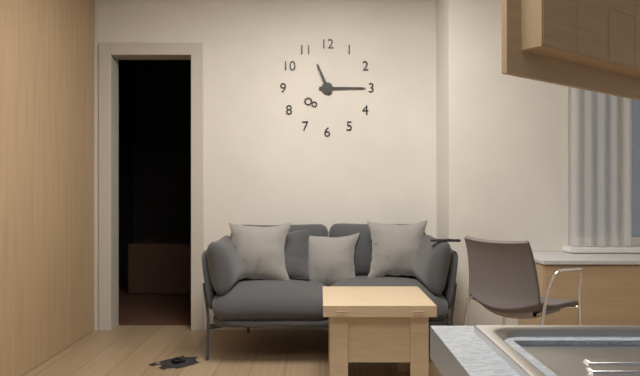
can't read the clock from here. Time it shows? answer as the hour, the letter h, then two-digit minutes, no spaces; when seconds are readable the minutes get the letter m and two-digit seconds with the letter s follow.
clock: 11h15
